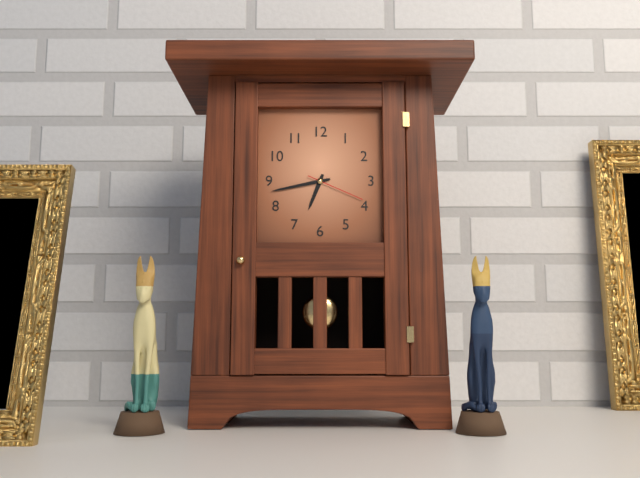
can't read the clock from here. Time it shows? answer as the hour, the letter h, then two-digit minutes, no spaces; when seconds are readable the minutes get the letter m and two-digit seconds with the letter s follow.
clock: 6h43m19s
